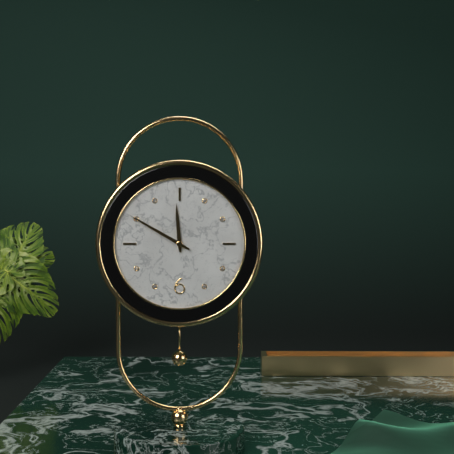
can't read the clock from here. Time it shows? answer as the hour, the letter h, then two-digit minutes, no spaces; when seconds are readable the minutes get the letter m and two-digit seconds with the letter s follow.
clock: 11h50
